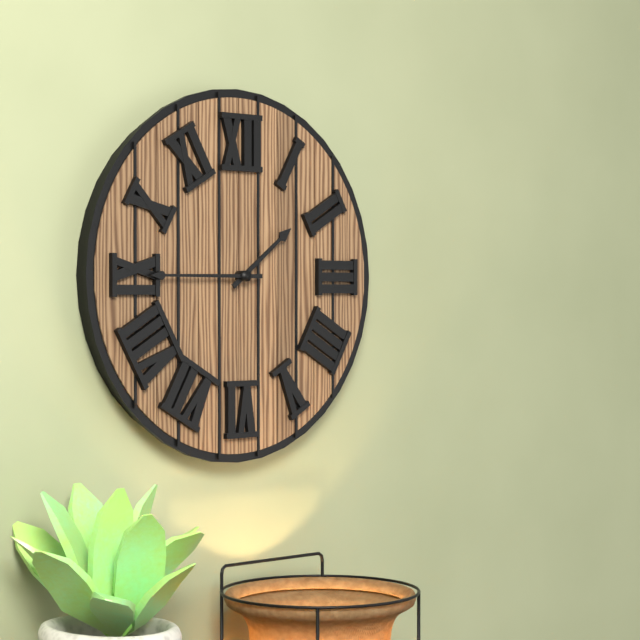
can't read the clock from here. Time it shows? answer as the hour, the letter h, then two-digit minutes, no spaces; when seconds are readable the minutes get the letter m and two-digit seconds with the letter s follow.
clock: 1h45
